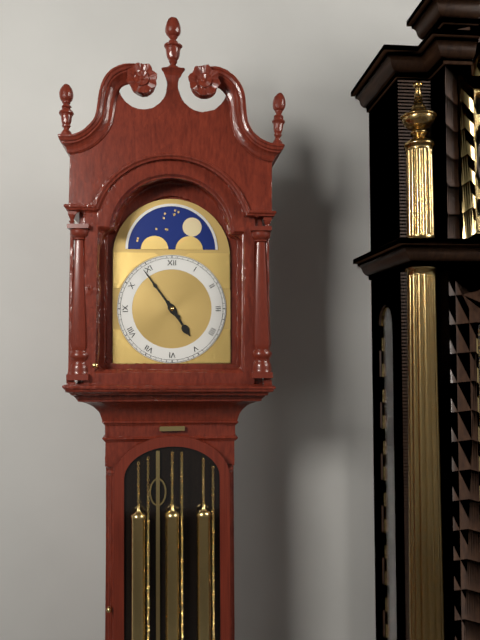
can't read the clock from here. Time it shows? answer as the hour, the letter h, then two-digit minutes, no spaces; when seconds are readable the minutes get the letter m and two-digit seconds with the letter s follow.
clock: 4h54
